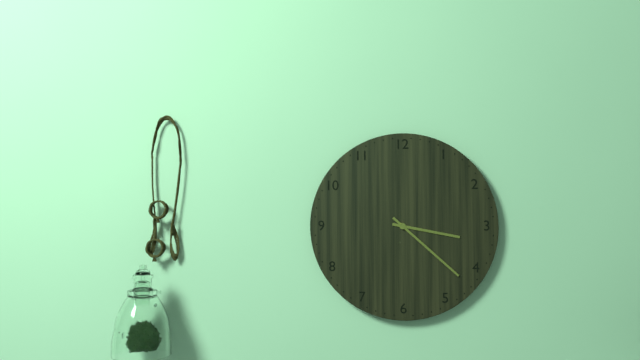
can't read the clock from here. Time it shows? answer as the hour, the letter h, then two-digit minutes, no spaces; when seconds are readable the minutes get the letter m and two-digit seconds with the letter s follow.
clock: 3h22
